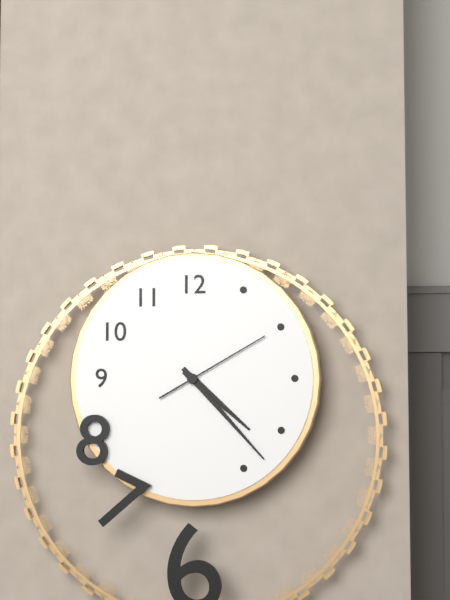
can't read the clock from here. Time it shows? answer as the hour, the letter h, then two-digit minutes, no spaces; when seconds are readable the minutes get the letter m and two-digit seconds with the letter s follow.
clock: 4h23m10s
